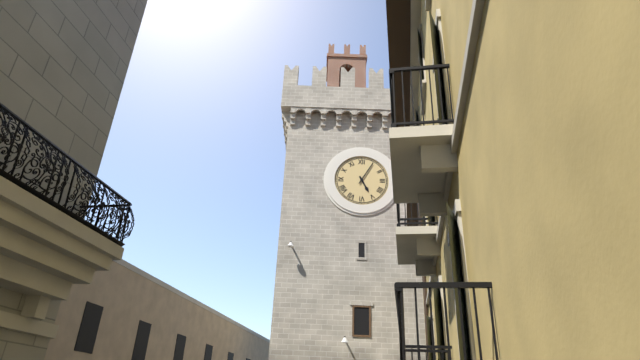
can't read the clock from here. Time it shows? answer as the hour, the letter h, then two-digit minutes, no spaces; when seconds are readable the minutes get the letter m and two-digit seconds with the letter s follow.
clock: 5h05
